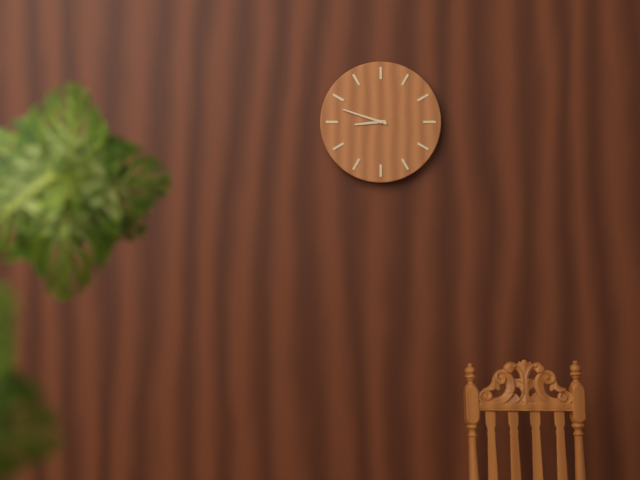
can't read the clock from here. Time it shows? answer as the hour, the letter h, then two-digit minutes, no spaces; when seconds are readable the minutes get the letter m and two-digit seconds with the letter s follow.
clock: 8h48
